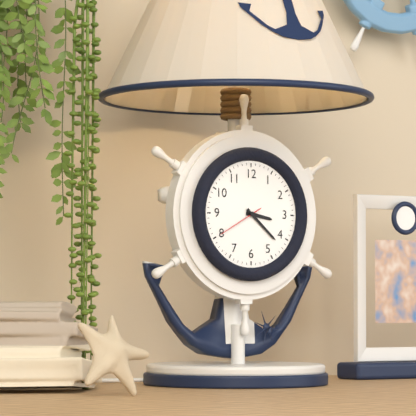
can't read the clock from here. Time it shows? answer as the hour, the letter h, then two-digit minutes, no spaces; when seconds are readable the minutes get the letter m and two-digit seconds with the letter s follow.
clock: 3h22
